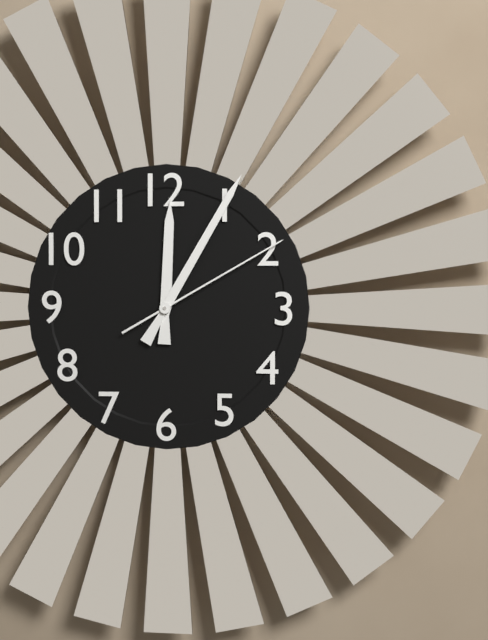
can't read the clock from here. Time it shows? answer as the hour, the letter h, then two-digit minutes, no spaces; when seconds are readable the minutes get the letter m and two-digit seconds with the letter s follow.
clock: 12h05m10s
